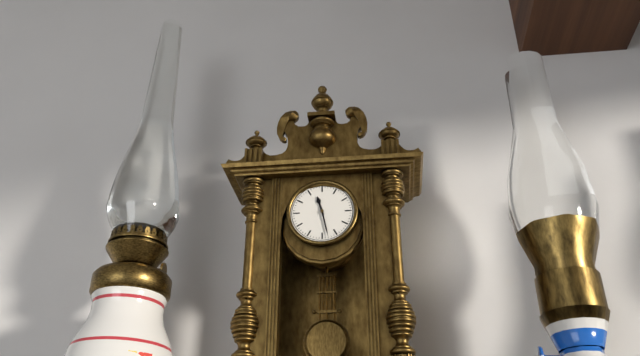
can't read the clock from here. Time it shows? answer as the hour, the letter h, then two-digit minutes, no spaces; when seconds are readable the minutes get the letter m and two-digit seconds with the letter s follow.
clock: 11h28
